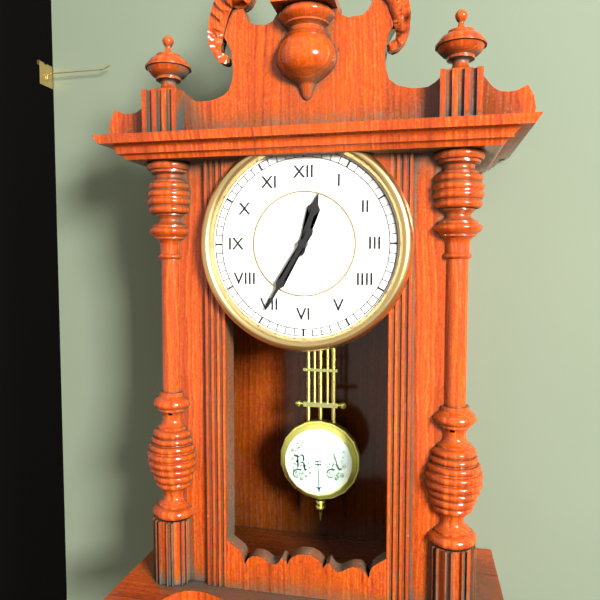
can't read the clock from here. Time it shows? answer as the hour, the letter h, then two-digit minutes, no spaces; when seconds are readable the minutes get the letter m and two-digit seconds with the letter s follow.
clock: 12h35
